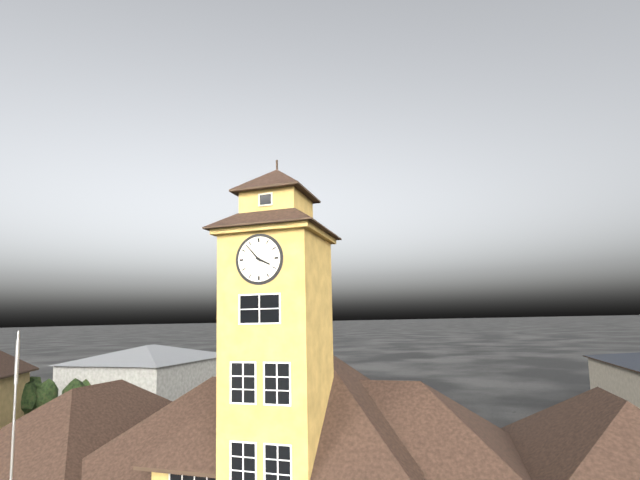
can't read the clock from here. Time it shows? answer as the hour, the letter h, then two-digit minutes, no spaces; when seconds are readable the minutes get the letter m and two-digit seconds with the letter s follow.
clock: 3h53
